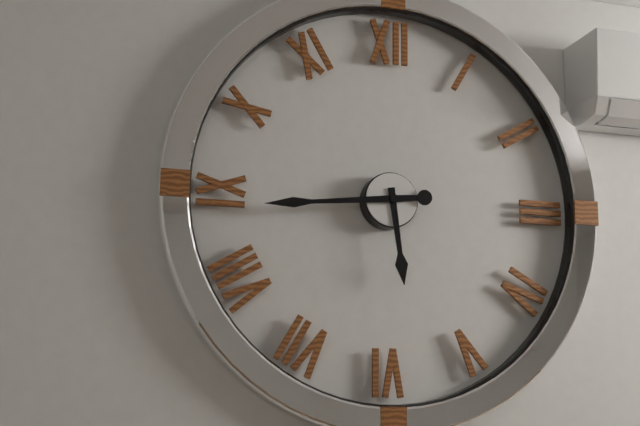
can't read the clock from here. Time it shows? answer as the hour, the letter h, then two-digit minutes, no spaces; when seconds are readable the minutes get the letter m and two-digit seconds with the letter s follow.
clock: 5h44
